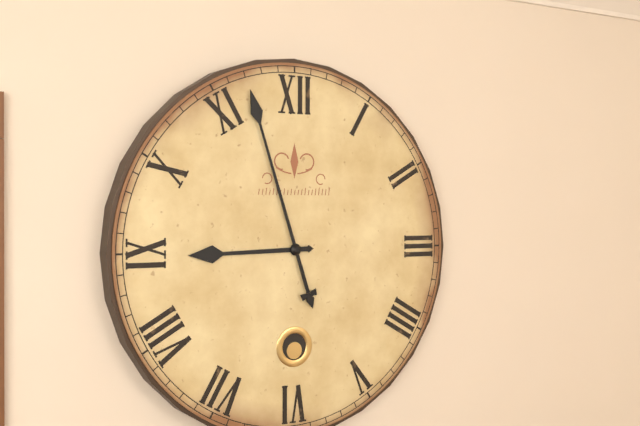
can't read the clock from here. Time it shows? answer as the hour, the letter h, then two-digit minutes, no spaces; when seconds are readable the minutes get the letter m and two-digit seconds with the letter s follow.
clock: 8h57
